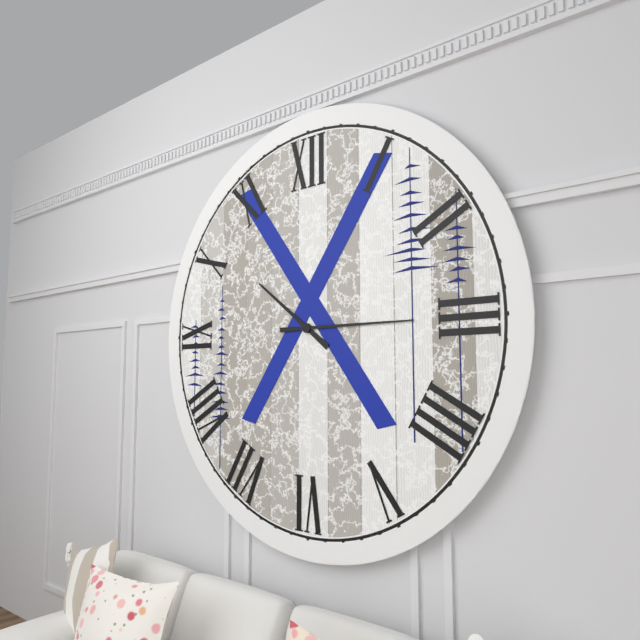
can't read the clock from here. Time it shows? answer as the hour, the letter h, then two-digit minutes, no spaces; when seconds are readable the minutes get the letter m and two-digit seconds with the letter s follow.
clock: 10h15
